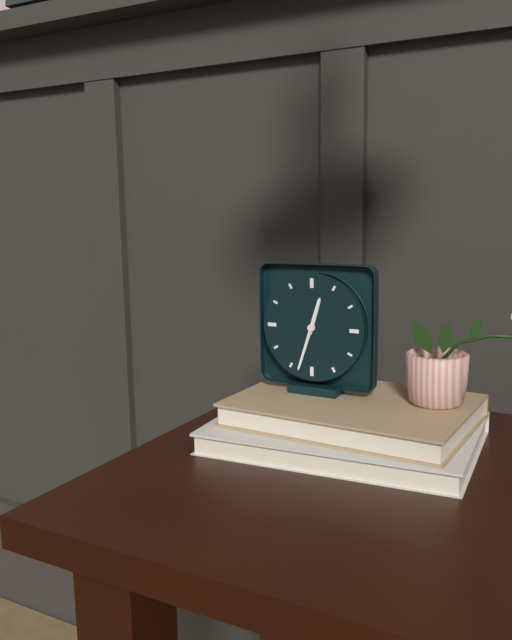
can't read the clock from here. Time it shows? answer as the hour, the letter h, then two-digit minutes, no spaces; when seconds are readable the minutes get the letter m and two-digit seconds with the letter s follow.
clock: 12h33
